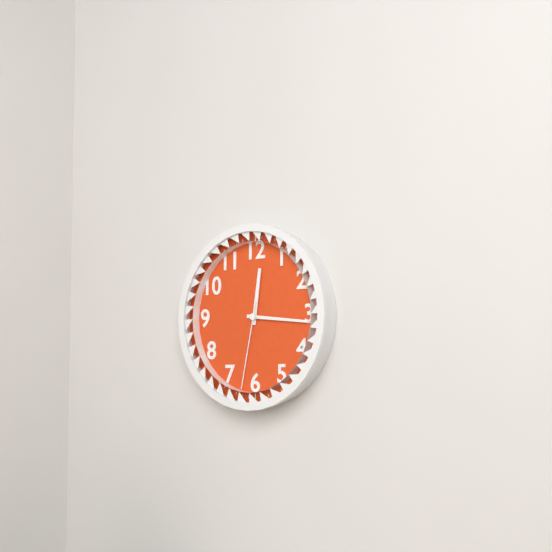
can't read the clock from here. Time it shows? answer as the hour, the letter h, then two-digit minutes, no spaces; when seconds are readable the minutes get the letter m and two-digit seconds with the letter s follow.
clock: 12h16m32s
